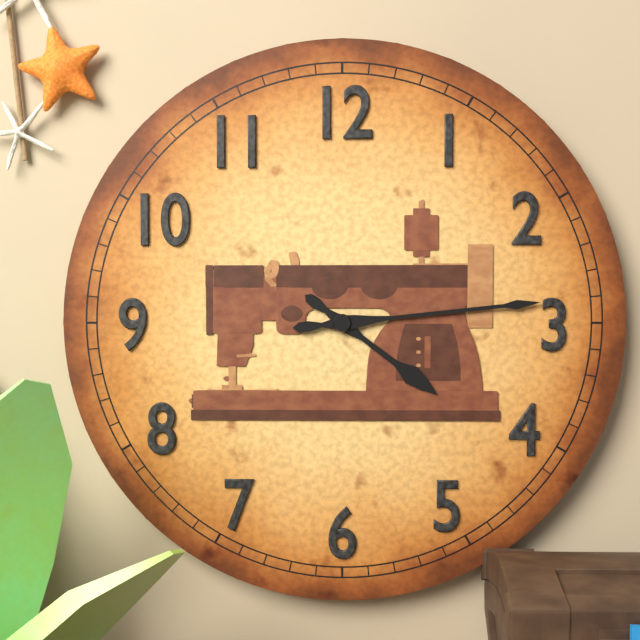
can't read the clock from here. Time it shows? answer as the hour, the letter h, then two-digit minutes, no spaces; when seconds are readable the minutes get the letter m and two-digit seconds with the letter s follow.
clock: 4h14
